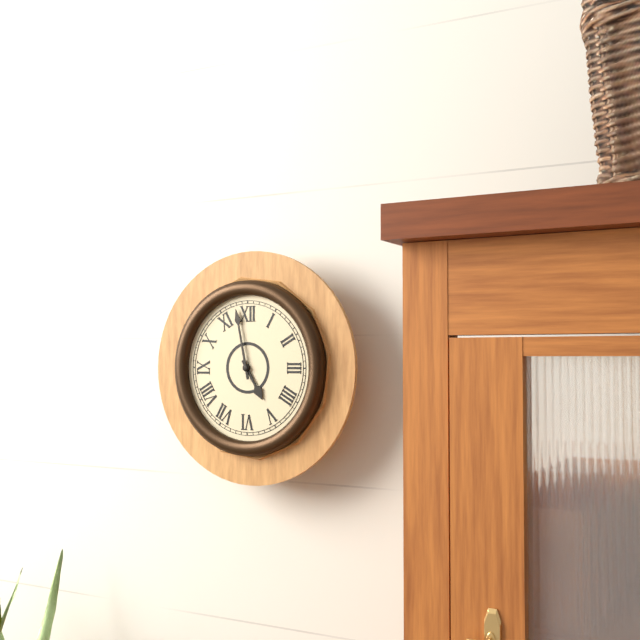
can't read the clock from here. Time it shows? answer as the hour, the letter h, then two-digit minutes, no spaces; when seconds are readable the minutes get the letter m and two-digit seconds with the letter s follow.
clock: 4h58
